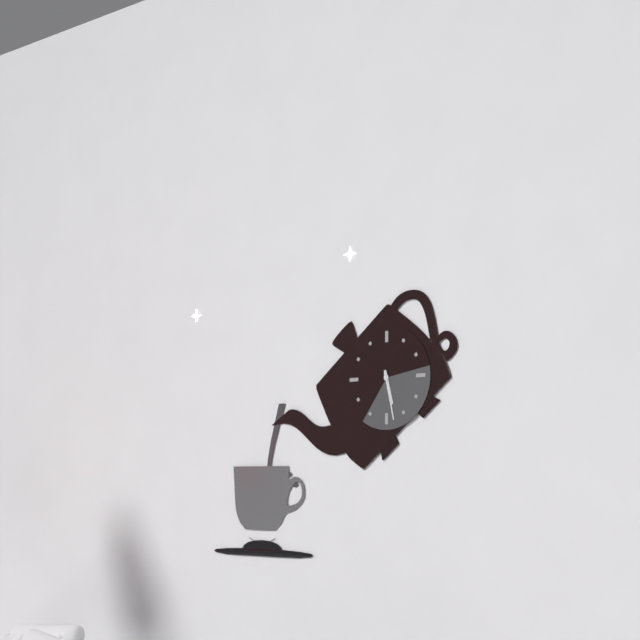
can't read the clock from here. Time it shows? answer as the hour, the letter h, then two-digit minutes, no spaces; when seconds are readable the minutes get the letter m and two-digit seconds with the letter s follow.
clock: 5h28
